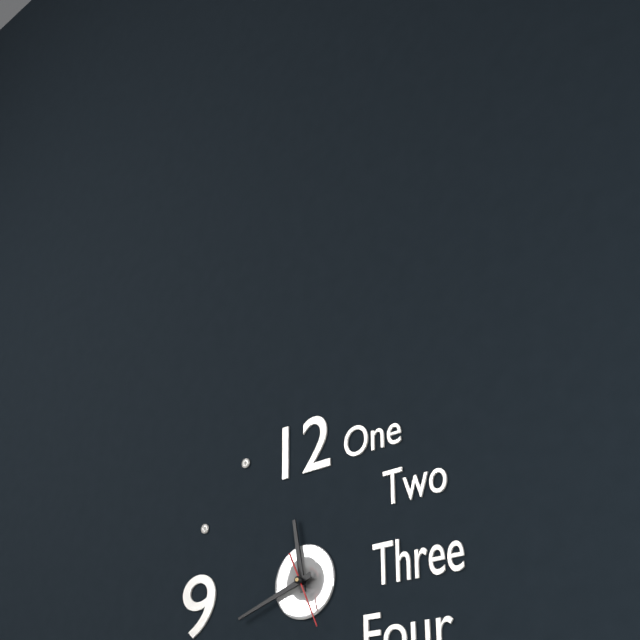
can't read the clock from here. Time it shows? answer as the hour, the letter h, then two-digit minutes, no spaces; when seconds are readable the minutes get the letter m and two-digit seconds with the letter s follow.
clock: 11h42m26s
